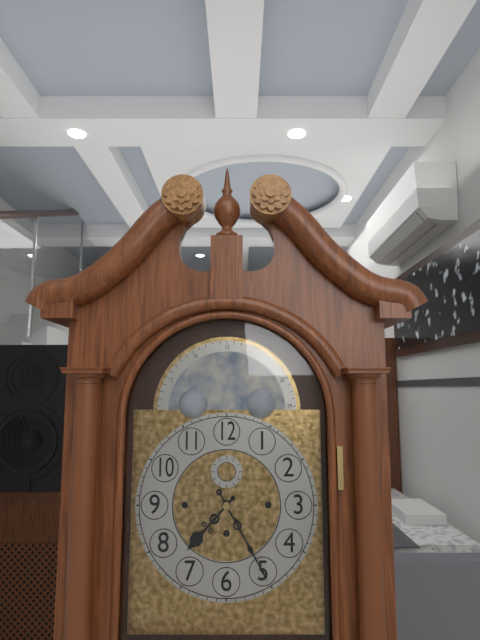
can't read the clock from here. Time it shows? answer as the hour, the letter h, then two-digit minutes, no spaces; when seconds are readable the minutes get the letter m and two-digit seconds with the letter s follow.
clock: 7h25
